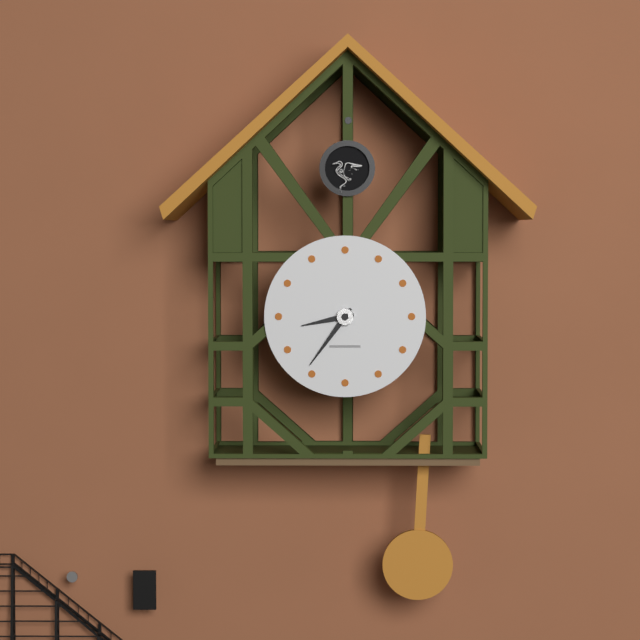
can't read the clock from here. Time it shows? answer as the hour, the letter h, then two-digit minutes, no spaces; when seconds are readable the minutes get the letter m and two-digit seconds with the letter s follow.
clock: 8h36
